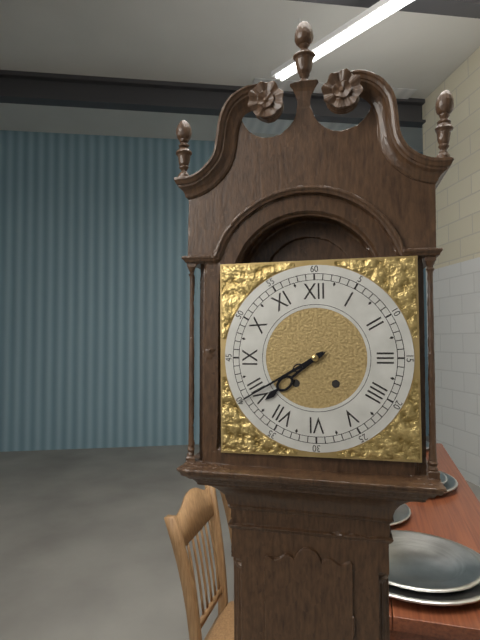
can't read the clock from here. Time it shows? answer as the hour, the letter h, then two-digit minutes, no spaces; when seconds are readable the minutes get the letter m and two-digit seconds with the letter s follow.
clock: 7h40
